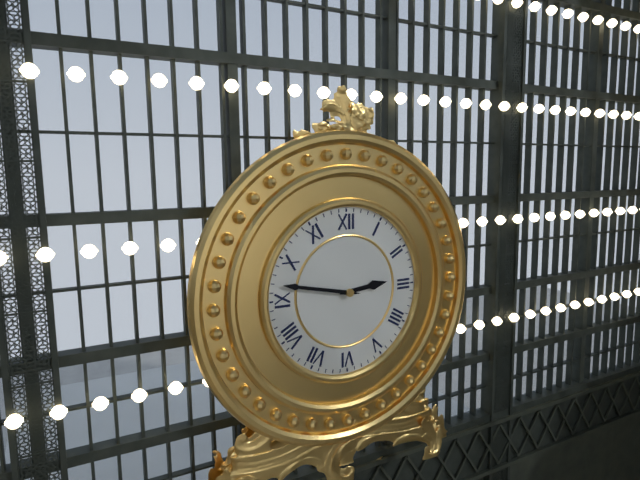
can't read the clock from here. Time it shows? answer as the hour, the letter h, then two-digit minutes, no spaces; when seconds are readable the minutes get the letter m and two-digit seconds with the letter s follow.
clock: 2h47
